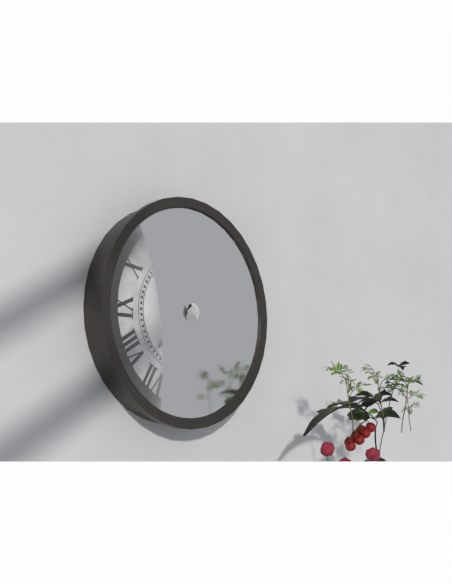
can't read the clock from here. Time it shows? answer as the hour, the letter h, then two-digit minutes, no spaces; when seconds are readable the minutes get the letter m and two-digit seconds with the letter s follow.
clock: 7h29
